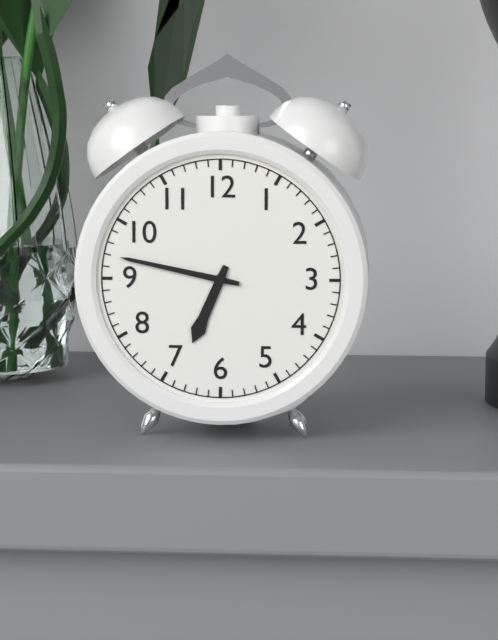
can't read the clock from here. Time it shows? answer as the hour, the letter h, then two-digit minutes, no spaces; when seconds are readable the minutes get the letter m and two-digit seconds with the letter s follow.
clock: 6h47
